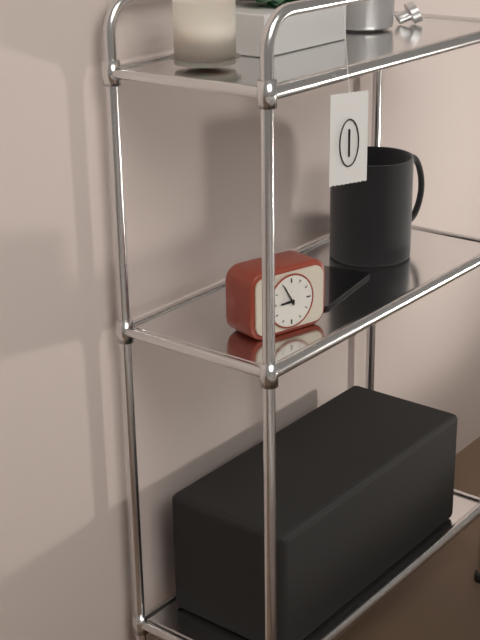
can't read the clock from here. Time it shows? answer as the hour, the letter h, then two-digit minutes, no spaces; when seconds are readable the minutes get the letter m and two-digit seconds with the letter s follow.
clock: 8h55
